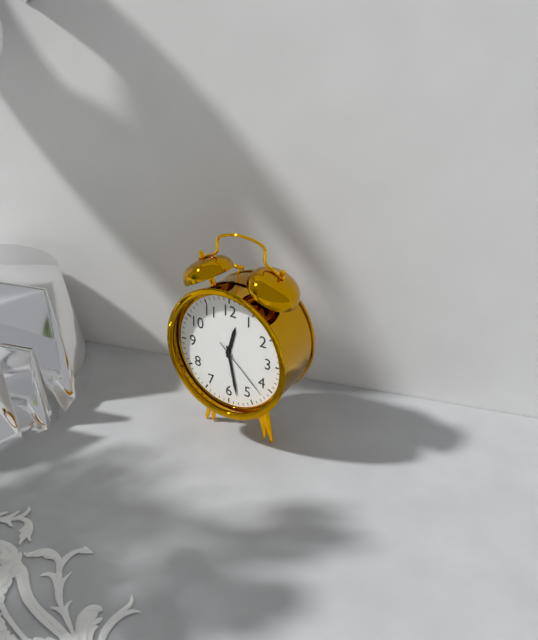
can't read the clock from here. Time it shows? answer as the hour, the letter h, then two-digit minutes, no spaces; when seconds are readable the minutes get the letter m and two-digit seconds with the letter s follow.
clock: 12h28m22s
